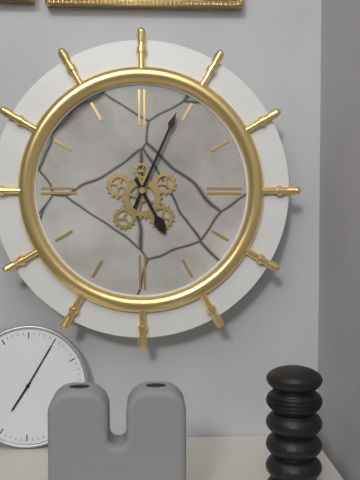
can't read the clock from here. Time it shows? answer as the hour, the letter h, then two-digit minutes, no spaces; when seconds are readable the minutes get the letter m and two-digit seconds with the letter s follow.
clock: 5h04
